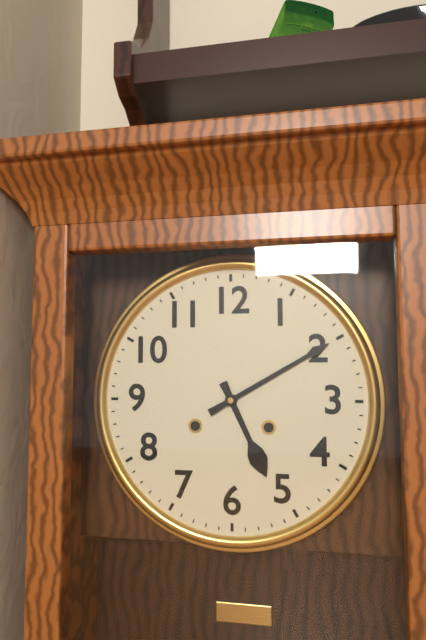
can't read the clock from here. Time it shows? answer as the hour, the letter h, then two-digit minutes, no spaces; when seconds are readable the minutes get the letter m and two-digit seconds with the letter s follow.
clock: 5h10
